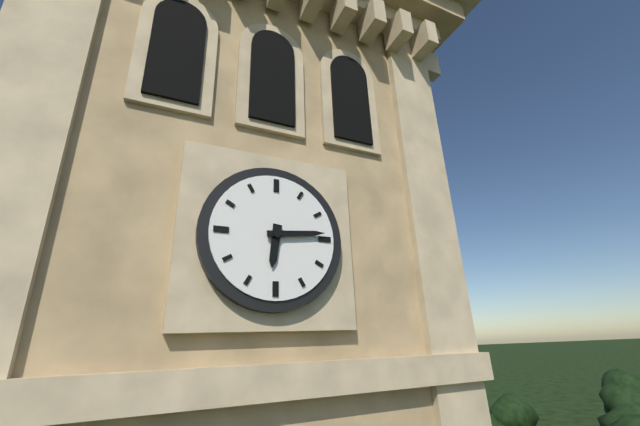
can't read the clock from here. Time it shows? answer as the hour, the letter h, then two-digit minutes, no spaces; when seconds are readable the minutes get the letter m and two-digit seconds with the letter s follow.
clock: 6h14
